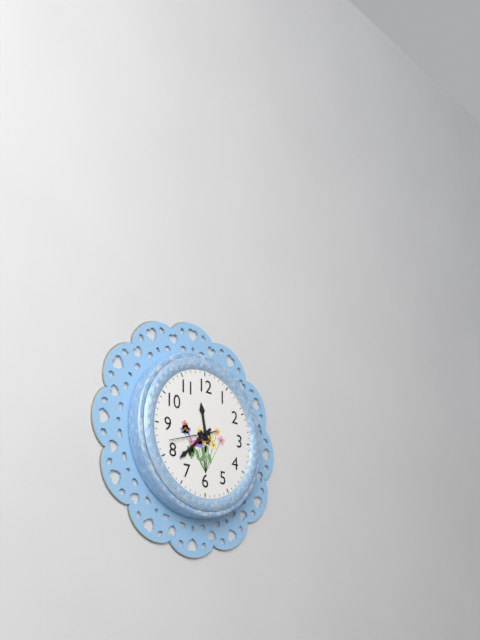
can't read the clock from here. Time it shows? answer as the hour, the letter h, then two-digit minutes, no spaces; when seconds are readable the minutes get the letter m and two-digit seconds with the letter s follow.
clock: 11h38
